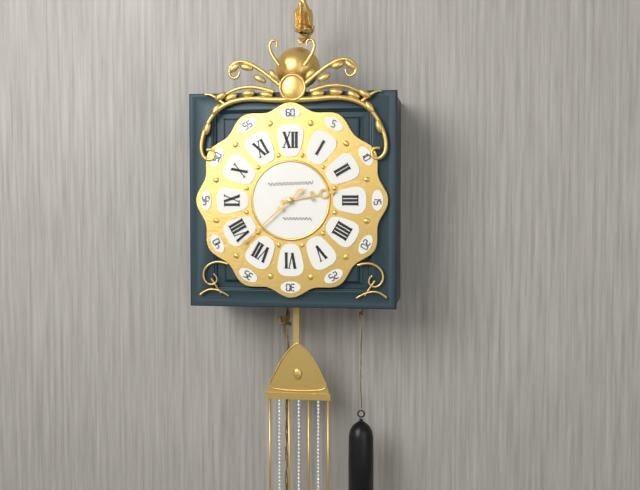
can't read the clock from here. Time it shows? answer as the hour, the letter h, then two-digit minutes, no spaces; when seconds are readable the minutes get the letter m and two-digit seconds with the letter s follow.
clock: 2h38
